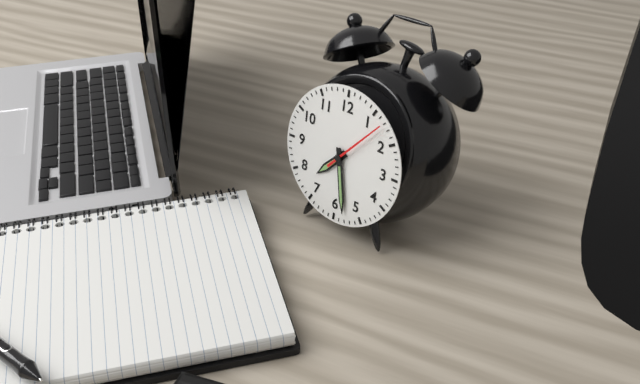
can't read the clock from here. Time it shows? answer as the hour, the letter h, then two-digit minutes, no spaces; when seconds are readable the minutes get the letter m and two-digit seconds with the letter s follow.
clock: 7h28m07s
